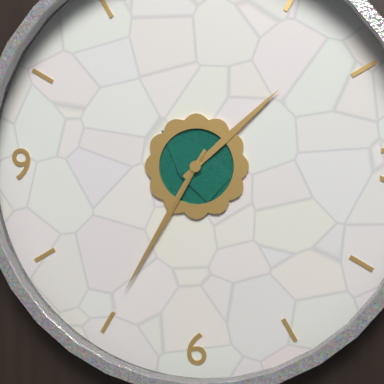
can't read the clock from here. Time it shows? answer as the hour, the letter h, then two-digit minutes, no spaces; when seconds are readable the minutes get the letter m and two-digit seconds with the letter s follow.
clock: 1h35m35s
